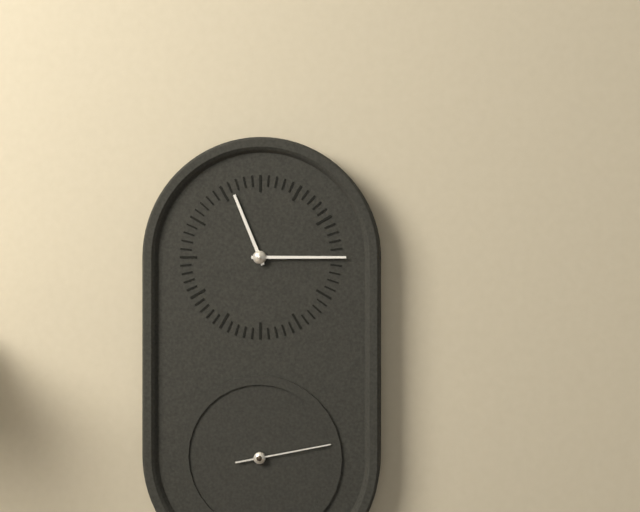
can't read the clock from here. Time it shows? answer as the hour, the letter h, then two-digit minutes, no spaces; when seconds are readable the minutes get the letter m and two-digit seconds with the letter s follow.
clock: 11h15m13s
